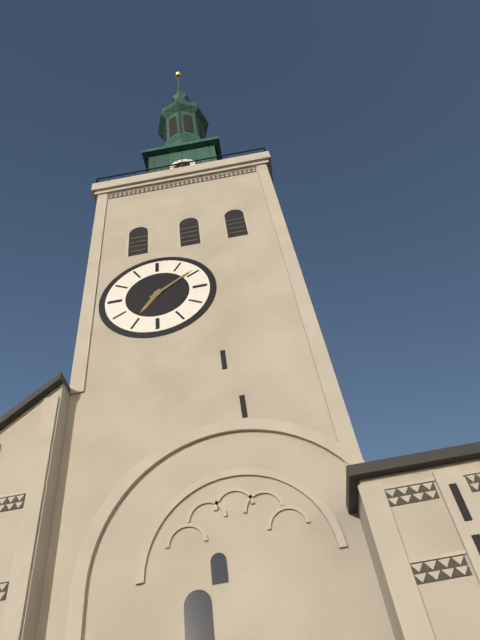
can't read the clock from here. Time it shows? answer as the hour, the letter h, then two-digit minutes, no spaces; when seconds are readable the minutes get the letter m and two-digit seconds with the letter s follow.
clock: 7h09
